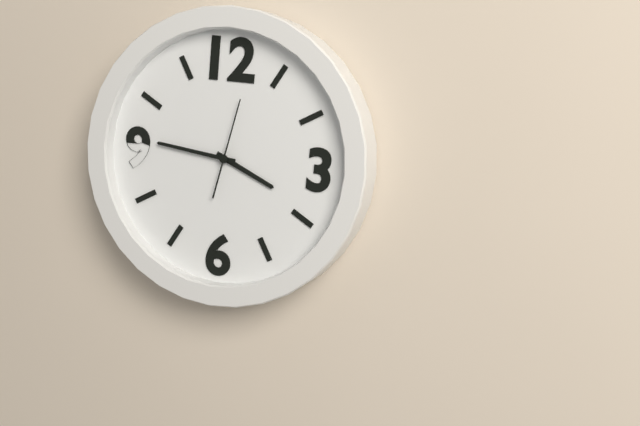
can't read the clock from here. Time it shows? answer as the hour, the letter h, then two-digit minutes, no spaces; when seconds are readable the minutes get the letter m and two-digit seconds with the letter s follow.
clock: 3h46m02s
